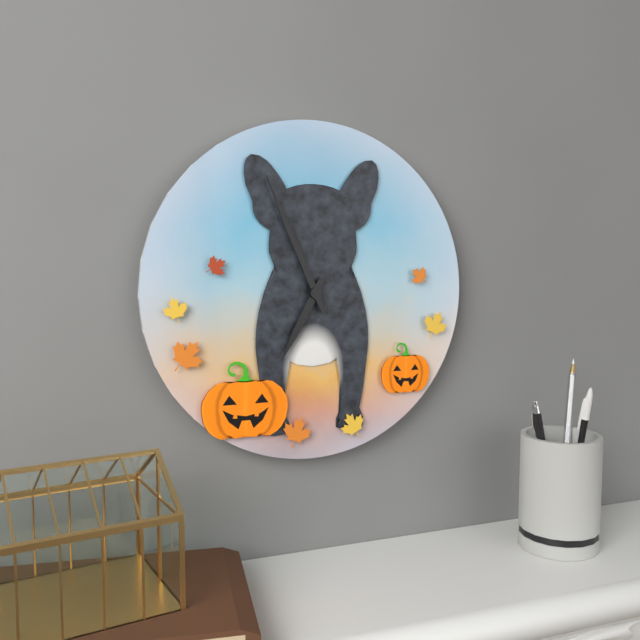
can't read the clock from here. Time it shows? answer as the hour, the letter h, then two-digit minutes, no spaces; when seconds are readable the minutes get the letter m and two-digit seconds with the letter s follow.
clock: 6h56
